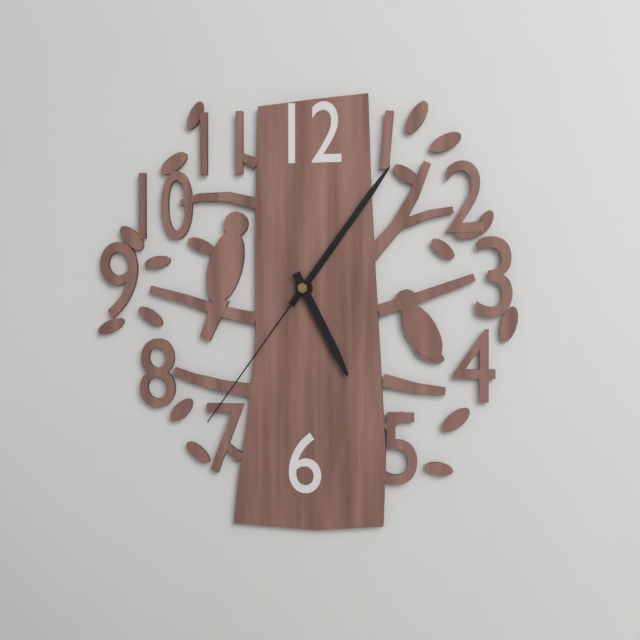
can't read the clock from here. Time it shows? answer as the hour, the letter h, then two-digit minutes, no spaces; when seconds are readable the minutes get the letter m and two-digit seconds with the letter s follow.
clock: 5h06m36s
